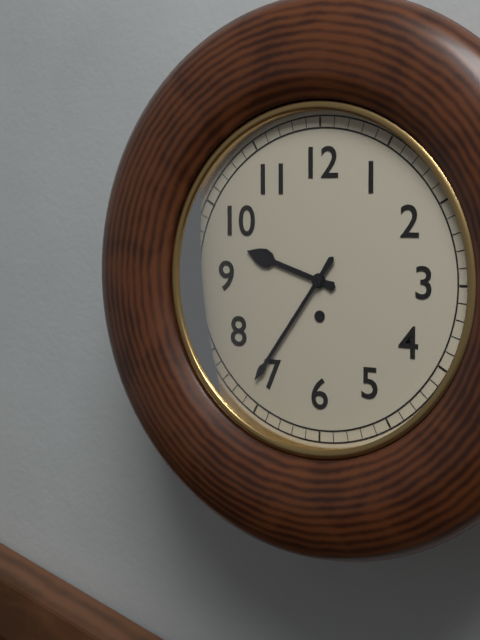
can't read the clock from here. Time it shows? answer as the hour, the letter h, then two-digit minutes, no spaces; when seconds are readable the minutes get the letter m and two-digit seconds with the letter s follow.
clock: 9h36
